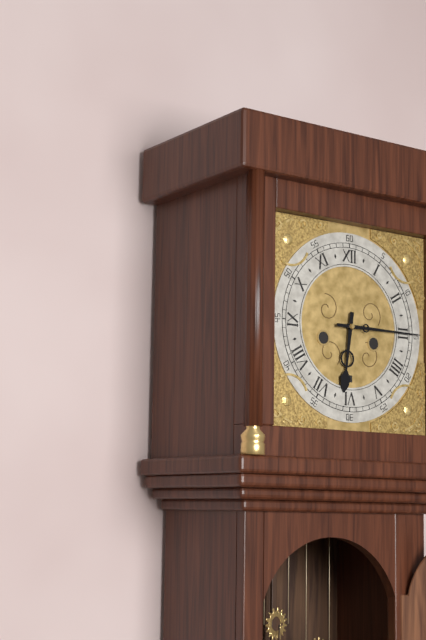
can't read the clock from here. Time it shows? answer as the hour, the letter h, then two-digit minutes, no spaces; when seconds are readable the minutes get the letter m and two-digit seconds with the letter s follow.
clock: 6h15
